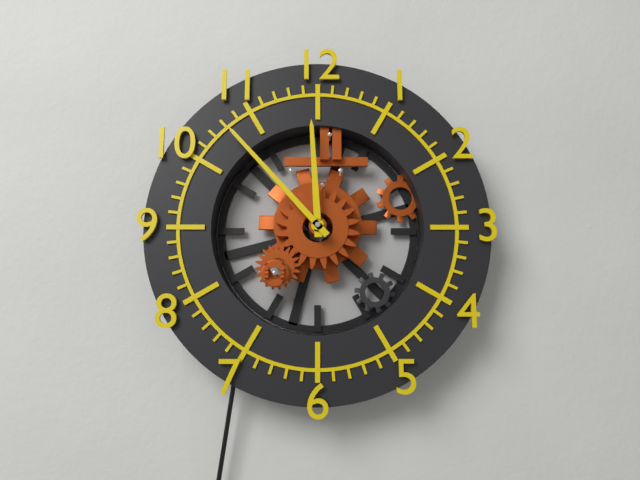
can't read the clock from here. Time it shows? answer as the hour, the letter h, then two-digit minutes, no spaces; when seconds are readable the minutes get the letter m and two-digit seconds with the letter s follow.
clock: 11h53
